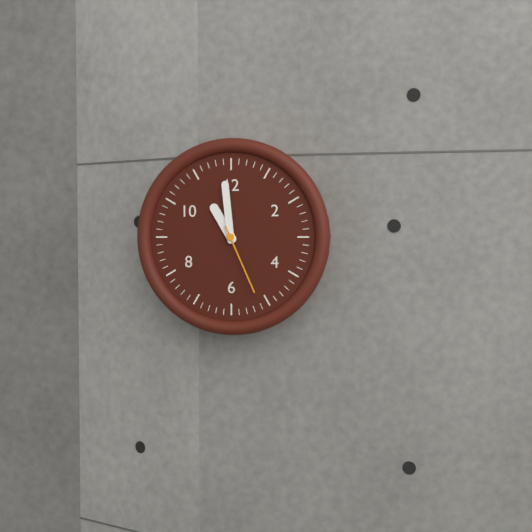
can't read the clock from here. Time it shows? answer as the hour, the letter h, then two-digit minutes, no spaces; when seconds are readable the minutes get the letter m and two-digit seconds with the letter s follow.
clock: 10h59m26s
